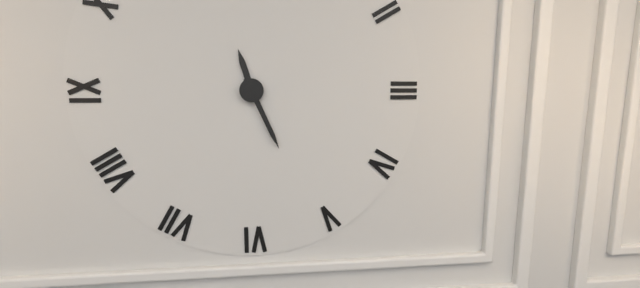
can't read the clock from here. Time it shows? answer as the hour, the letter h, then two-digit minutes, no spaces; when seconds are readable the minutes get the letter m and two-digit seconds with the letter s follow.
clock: 11h26
